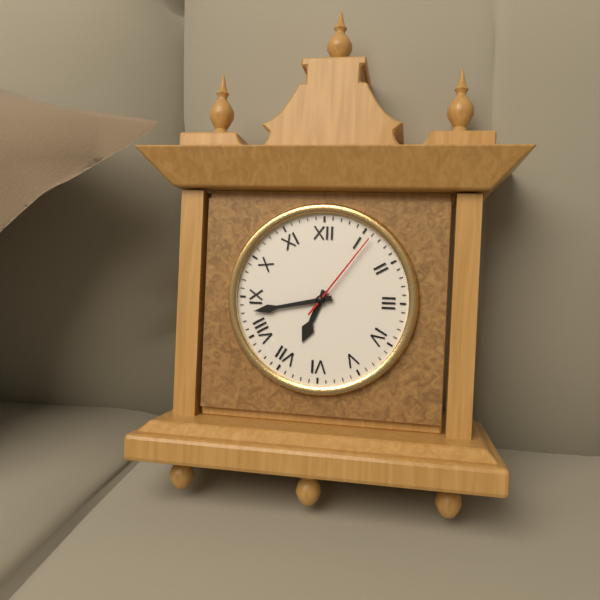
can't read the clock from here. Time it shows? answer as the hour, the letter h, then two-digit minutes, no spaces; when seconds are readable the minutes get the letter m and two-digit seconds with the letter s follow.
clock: 6h43m06s
